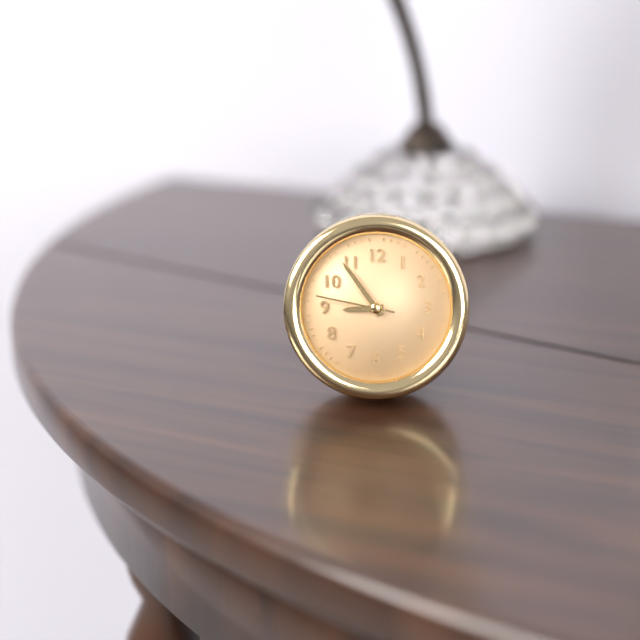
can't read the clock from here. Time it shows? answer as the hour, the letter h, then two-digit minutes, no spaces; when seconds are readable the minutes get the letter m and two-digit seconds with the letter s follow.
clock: 8h54m47s
